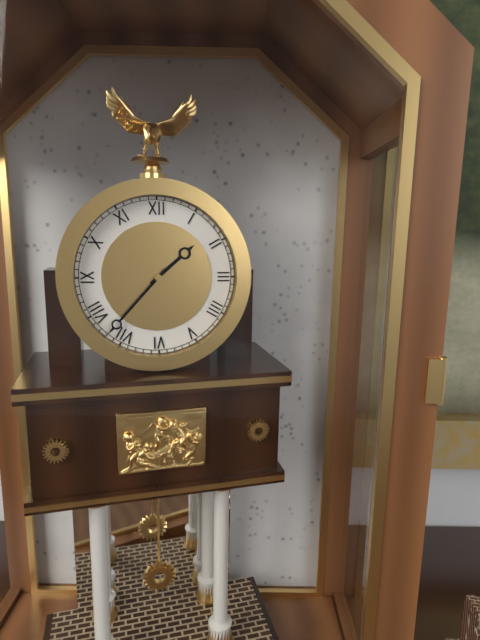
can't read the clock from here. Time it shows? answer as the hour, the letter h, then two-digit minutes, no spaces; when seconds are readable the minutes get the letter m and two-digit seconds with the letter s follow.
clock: 1h37
